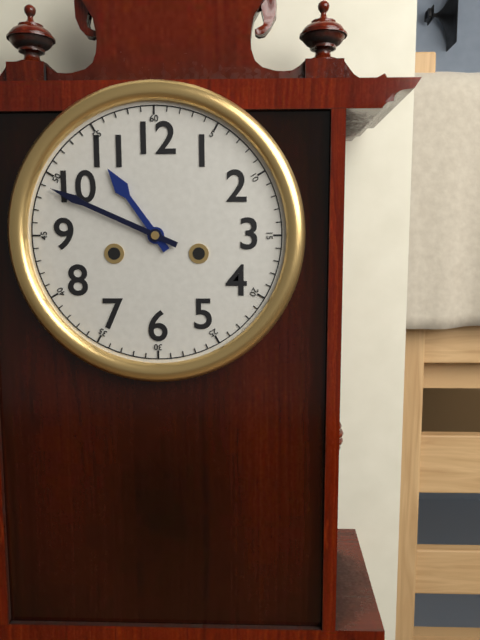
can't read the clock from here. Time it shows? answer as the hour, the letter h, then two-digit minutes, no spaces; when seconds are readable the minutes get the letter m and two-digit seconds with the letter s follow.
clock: 10h49
